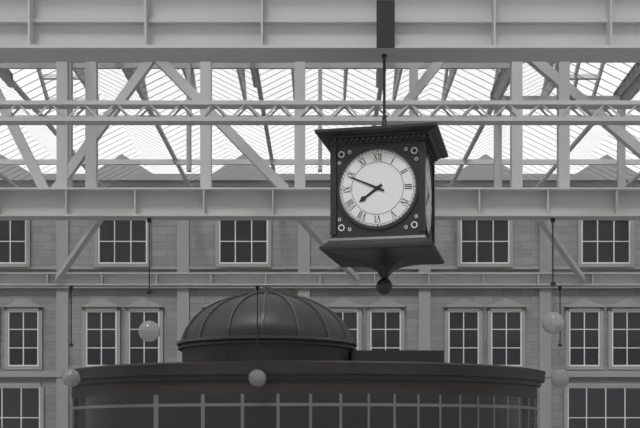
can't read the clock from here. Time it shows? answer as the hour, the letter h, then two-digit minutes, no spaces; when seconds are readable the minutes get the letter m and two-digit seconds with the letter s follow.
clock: 7h49
